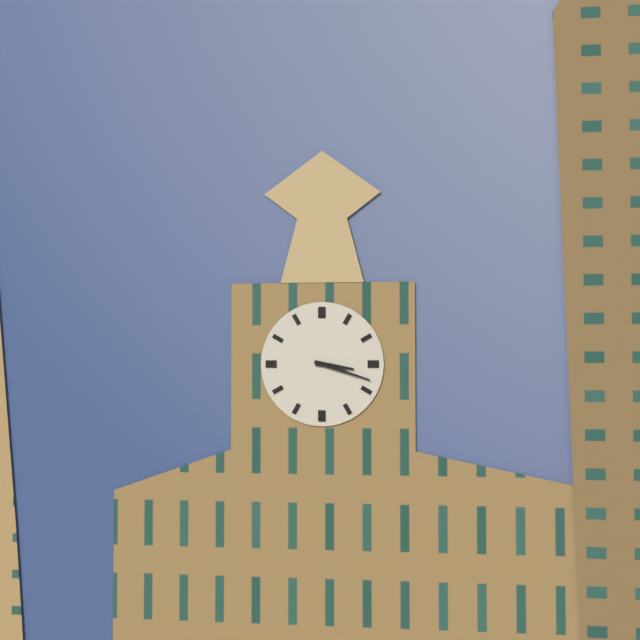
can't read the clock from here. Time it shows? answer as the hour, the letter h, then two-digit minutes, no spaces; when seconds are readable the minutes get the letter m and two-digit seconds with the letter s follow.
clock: 3h18
